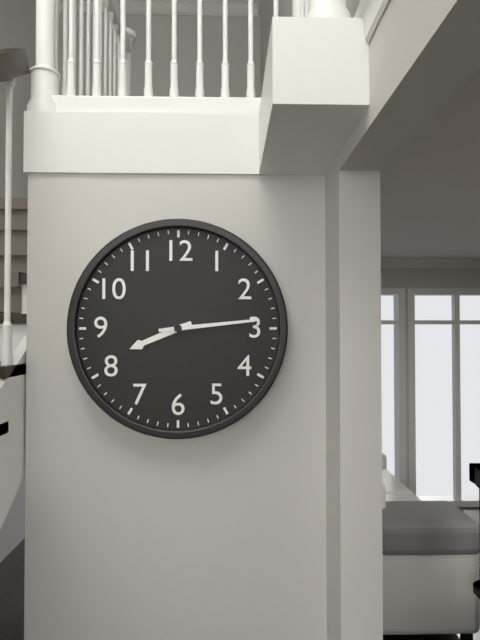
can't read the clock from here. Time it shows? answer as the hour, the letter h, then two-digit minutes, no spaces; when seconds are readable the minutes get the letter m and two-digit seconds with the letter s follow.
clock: 8h14
